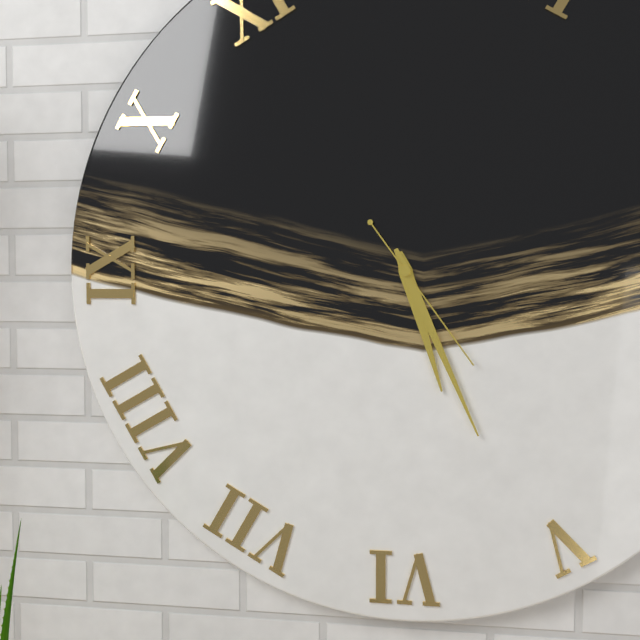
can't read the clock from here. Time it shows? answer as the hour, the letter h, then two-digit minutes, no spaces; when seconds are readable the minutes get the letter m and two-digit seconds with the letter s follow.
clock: 5h26m24s
